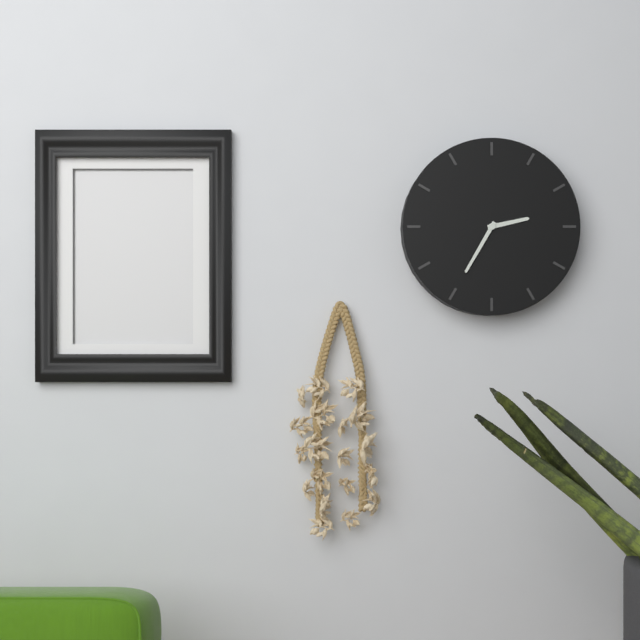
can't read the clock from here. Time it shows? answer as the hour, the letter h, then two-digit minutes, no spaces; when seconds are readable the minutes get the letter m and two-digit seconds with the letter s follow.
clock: 2h35
